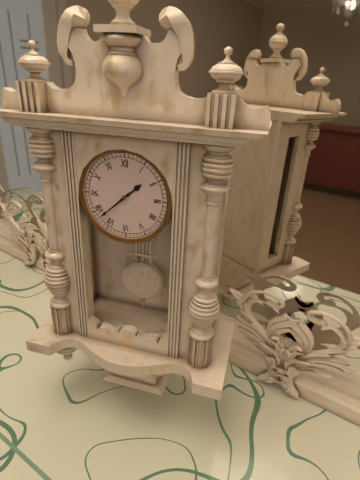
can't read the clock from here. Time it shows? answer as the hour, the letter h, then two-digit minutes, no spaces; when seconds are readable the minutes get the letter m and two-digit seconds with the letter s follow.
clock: 1h38
